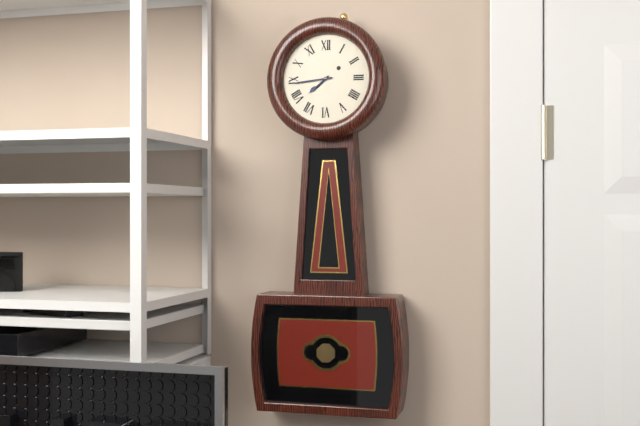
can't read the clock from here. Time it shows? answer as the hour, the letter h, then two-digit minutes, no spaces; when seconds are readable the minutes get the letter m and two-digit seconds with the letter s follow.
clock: 7h44
